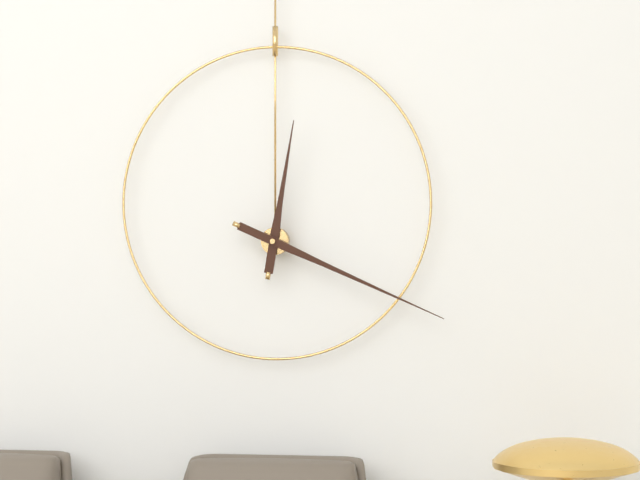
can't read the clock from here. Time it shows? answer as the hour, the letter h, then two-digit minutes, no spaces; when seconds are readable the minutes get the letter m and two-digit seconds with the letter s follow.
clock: 12h19
